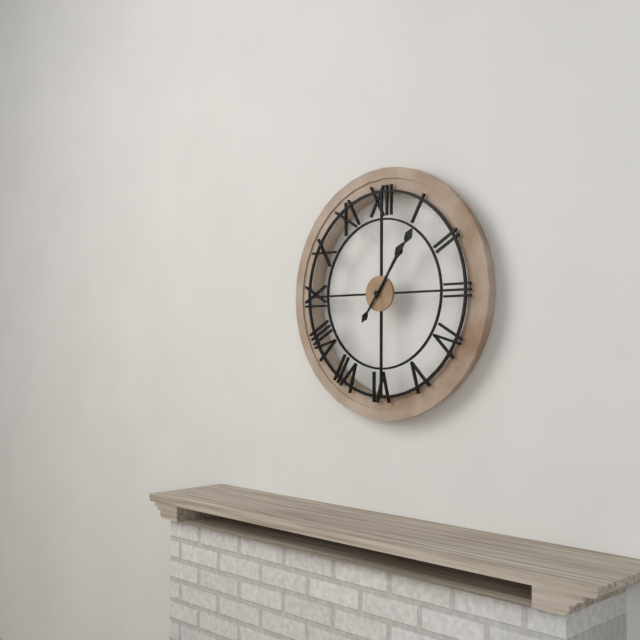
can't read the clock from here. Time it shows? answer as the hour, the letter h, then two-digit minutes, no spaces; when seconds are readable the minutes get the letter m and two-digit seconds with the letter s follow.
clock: 1h06
